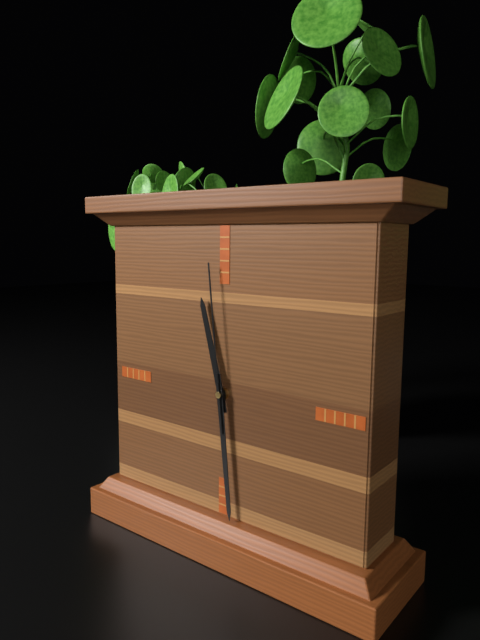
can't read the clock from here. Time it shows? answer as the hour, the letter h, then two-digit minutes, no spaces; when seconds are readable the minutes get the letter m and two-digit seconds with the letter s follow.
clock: 11h29m59s
